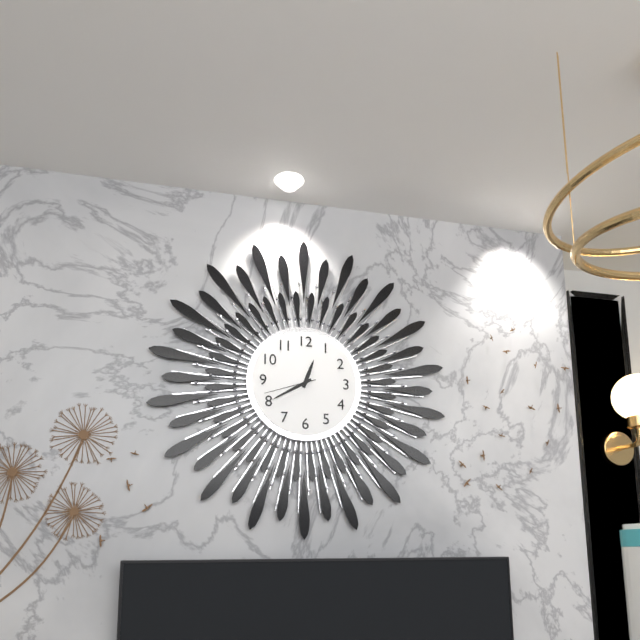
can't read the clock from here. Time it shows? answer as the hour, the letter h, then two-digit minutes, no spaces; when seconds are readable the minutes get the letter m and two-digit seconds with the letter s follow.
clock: 12h40
